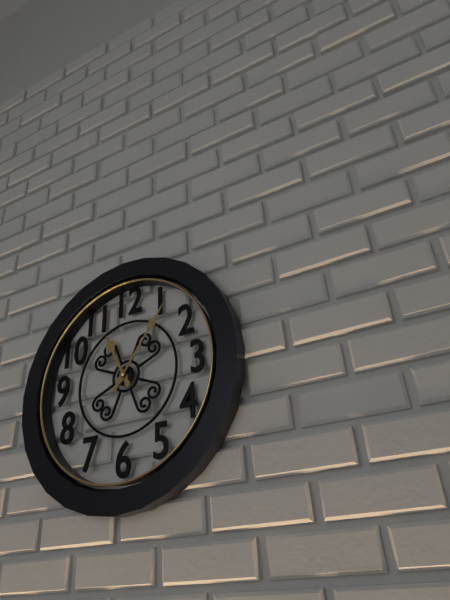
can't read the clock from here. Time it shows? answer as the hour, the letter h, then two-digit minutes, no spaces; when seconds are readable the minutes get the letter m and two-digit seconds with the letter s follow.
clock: 11h06
